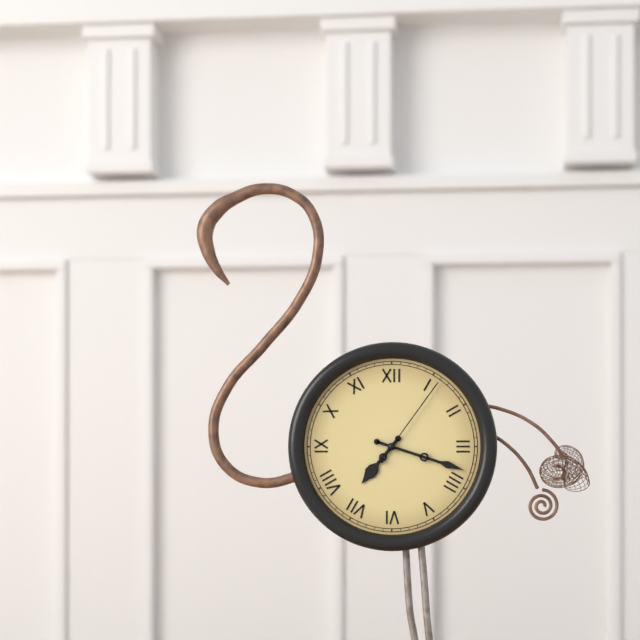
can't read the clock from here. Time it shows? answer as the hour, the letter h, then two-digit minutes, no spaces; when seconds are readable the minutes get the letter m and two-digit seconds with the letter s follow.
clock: 7h18m06s
